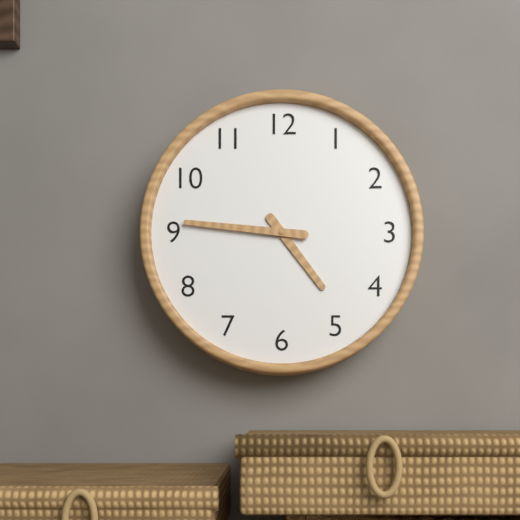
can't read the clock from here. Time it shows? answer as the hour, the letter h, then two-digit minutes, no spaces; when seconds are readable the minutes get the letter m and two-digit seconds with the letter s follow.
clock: 4h46
